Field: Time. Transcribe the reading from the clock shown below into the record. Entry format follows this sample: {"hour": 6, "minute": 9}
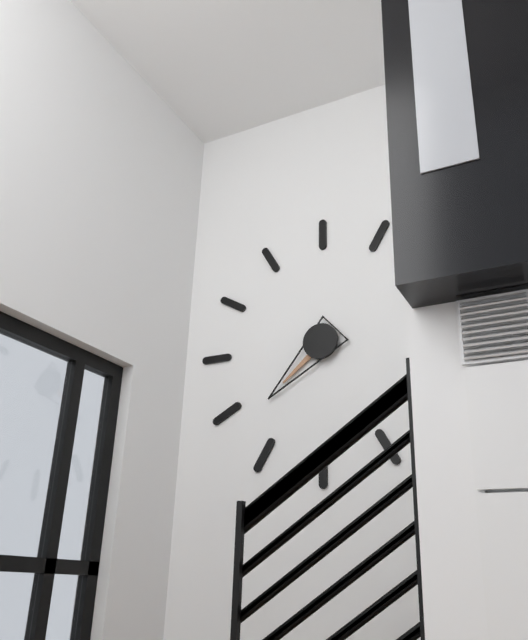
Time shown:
{"hour": 7, "minute": 38}
